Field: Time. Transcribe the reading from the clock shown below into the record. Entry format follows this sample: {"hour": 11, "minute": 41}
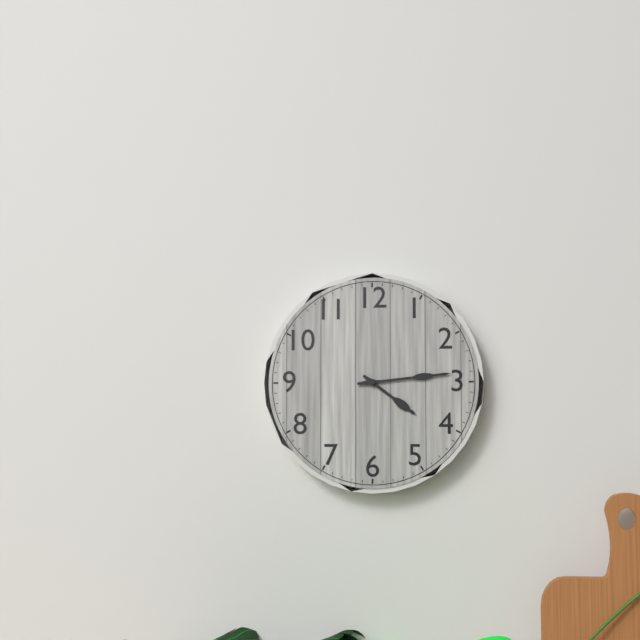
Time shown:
{"hour": 4, "minute": 14}
